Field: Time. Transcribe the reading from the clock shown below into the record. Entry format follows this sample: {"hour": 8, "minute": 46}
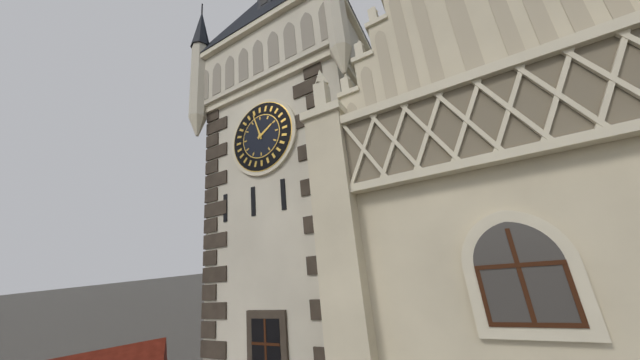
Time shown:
{"hour": 1, "minute": 57}
